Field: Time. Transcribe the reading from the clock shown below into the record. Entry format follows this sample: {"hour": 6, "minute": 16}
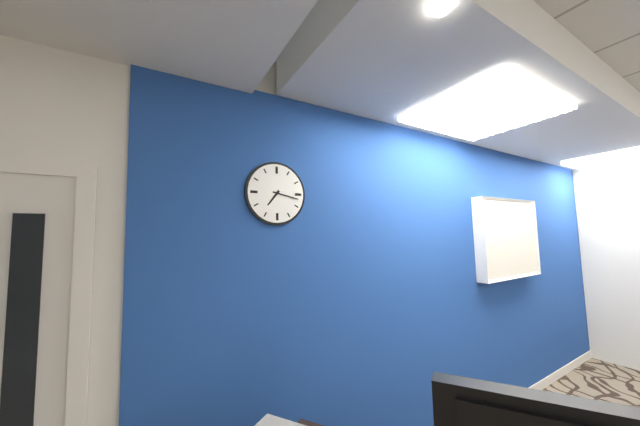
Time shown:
{"hour": 7, "minute": 17}
